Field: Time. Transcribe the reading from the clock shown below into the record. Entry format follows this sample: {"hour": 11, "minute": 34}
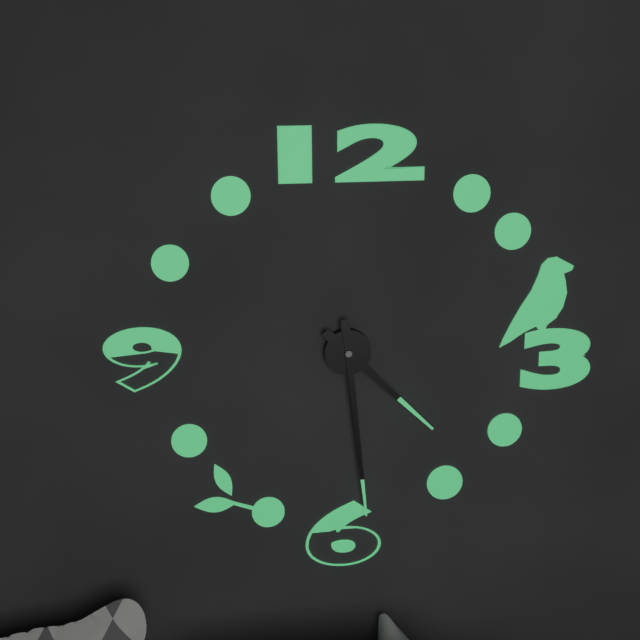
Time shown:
{"hour": 4, "minute": 29}
